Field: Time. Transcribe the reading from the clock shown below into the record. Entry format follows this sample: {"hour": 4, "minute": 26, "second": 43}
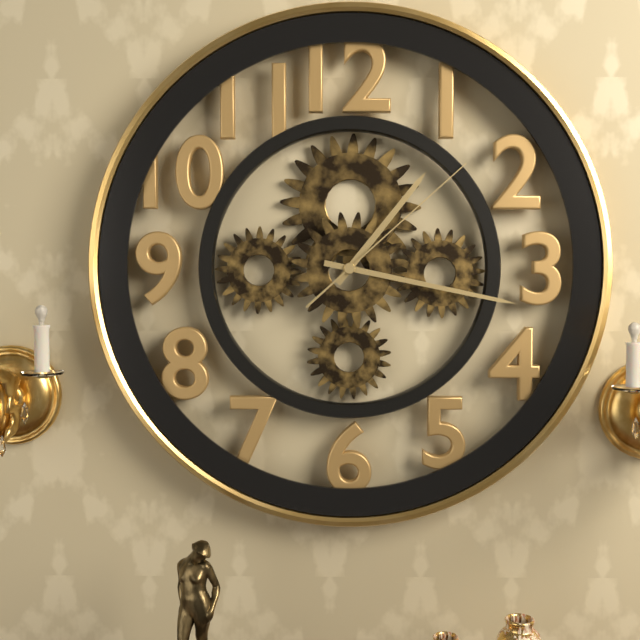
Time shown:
{"hour": 1, "minute": 17, "second": 8}
